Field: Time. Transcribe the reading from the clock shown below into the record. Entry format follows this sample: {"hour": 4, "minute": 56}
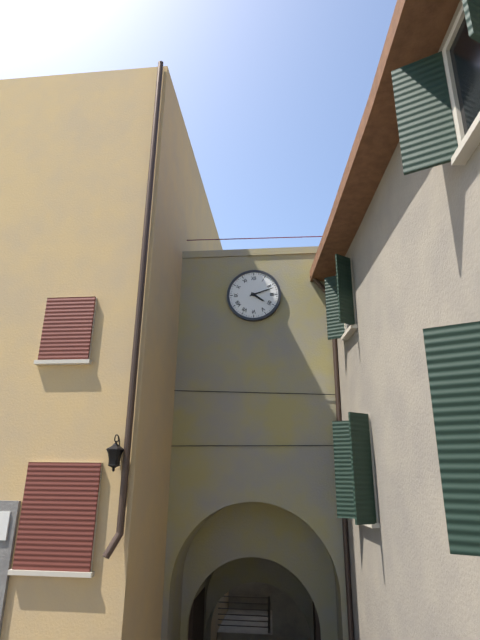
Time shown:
{"hour": 4, "minute": 12}
